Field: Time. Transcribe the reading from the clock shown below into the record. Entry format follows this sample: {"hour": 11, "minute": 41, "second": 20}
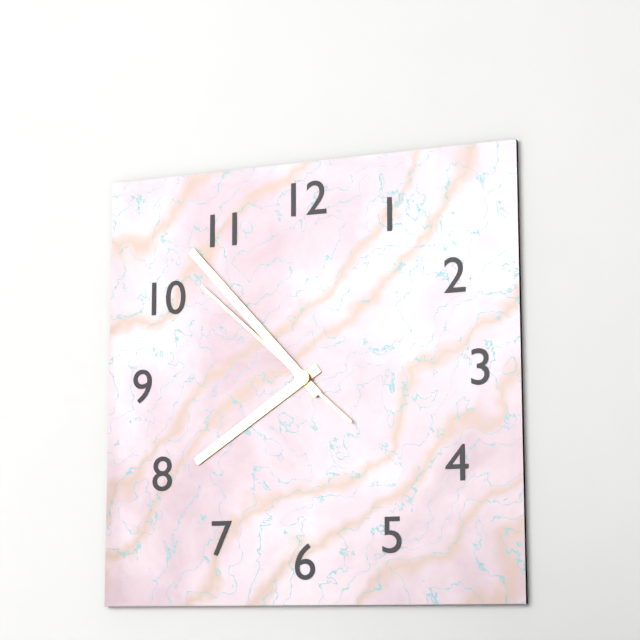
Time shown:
{"hour": 7, "minute": 53, "second": 52}
